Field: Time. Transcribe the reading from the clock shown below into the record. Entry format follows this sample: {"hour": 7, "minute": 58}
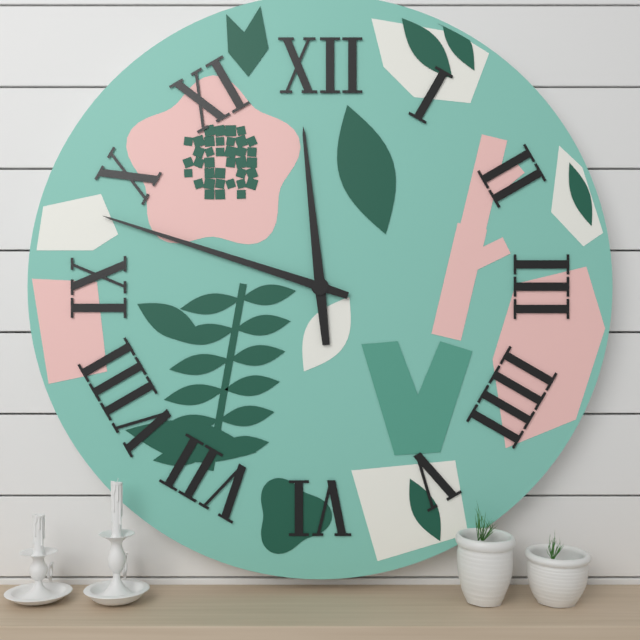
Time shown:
{"hour": 11, "minute": 48}
